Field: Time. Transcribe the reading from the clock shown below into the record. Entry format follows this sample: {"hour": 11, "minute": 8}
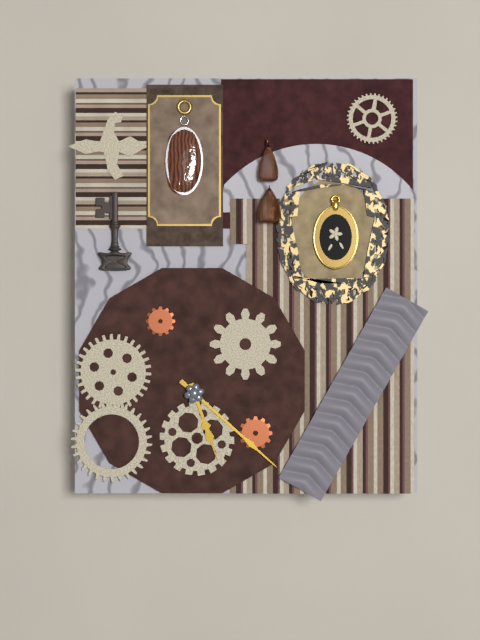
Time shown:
{"hour": 5, "minute": 22}
